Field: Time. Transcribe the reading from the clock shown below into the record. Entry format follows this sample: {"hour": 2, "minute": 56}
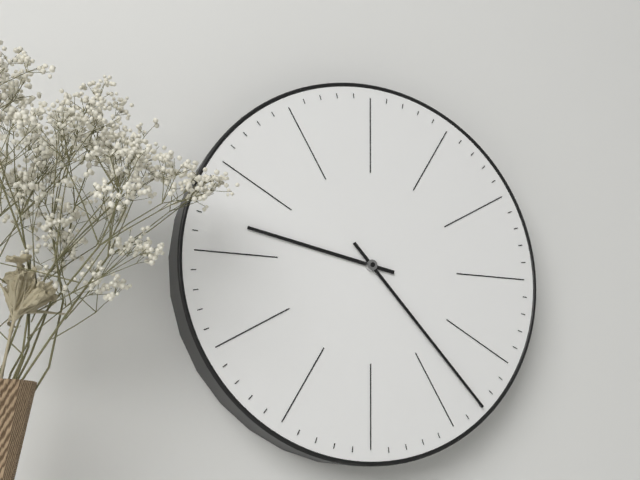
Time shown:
{"hour": 9, "minute": 23}
